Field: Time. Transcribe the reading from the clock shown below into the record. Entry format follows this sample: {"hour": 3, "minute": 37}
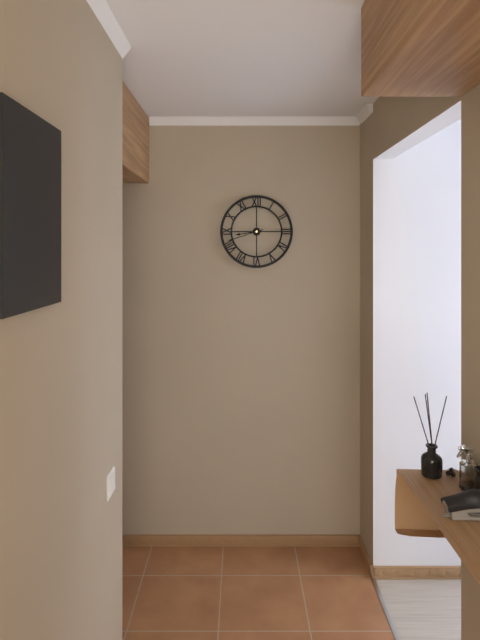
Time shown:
{"hour": 8, "minute": 42}
